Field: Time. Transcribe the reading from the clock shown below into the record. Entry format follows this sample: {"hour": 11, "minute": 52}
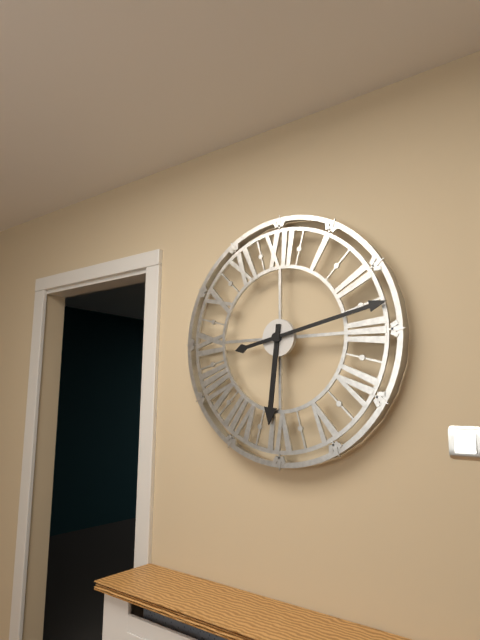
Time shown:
{"hour": 6, "minute": 13}
